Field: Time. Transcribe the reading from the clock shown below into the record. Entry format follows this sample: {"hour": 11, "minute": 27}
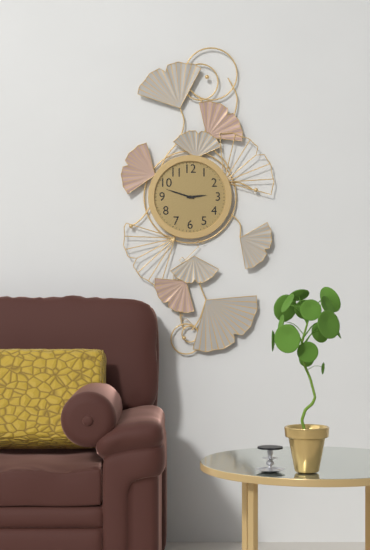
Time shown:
{"hour": 2, "minute": 48}
